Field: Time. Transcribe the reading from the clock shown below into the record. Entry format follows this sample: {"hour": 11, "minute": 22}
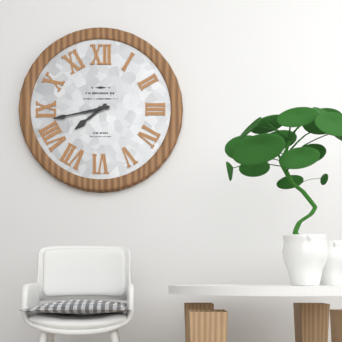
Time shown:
{"hour": 7, "minute": 43}
